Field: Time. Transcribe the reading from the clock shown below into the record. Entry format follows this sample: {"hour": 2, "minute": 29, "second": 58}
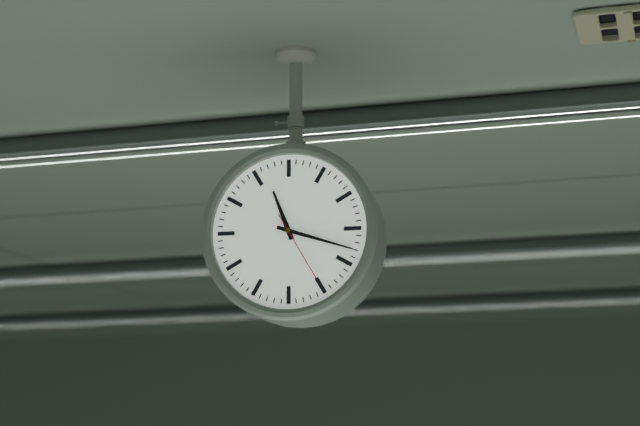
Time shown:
{"hour": 11, "minute": 18, "second": 25}
